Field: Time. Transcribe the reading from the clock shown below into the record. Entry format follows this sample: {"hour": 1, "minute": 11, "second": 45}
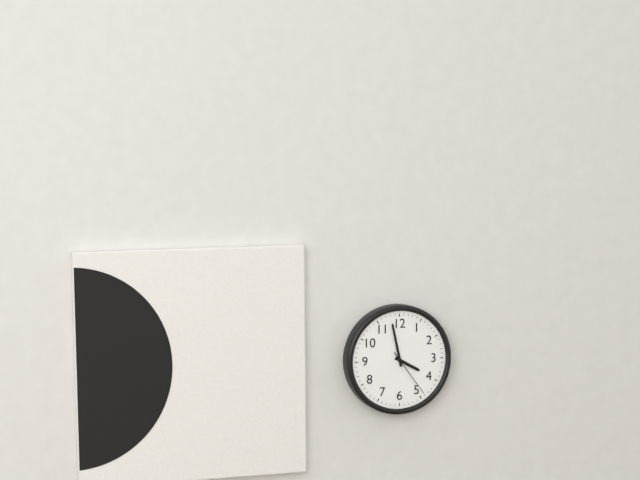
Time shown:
{"hour": 3, "minute": 58, "second": 24}
